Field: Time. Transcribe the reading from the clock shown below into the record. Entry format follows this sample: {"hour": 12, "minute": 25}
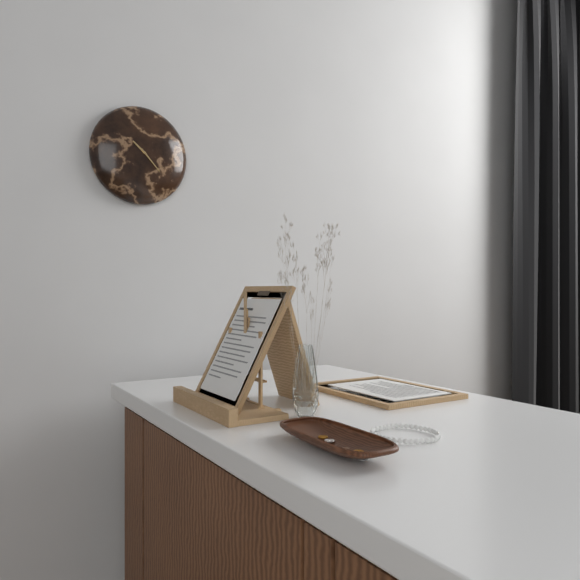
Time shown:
{"hour": 10, "minute": 23}
